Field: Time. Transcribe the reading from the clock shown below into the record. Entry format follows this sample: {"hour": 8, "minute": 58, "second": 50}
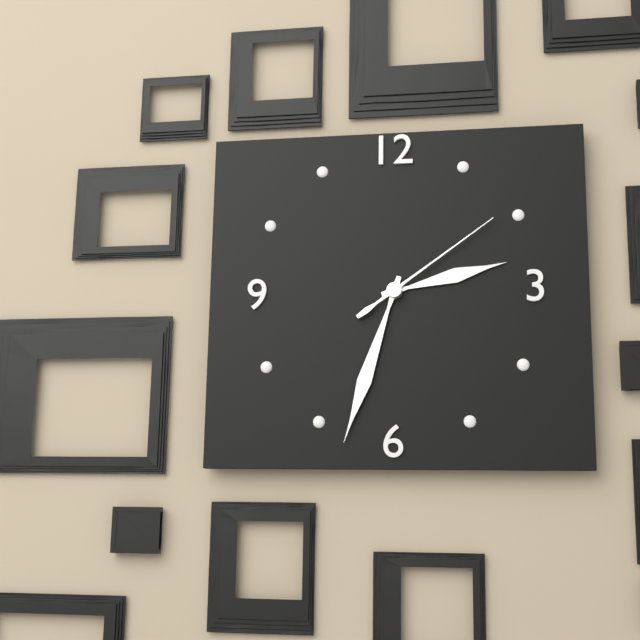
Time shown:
{"hour": 2, "minute": 33, "second": 9}
